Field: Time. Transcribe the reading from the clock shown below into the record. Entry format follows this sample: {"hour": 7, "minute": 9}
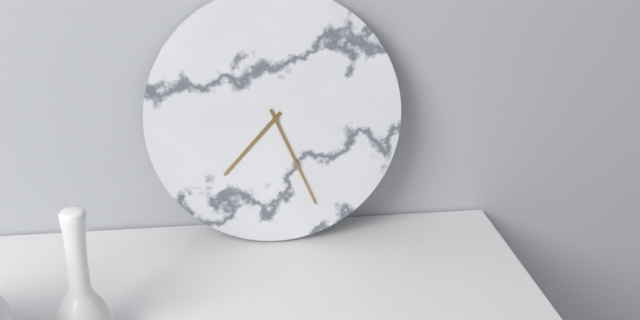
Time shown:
{"hour": 7, "minute": 26}
